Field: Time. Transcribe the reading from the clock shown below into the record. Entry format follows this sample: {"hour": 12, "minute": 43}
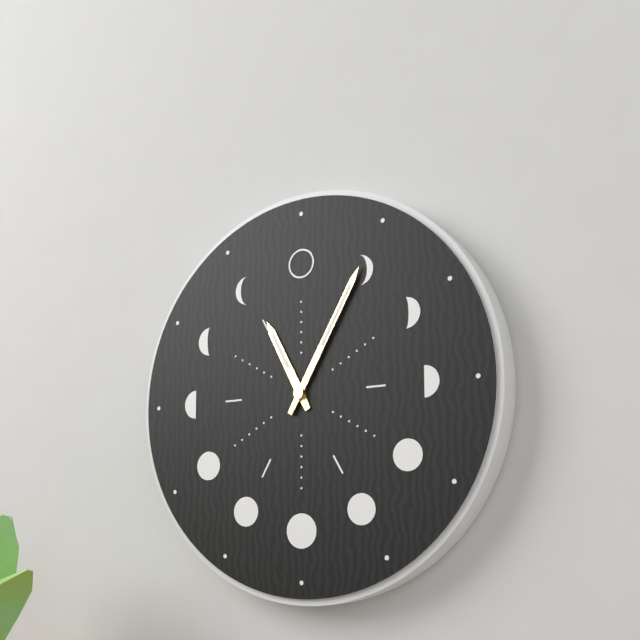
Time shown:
{"hour": 11, "minute": 5}
